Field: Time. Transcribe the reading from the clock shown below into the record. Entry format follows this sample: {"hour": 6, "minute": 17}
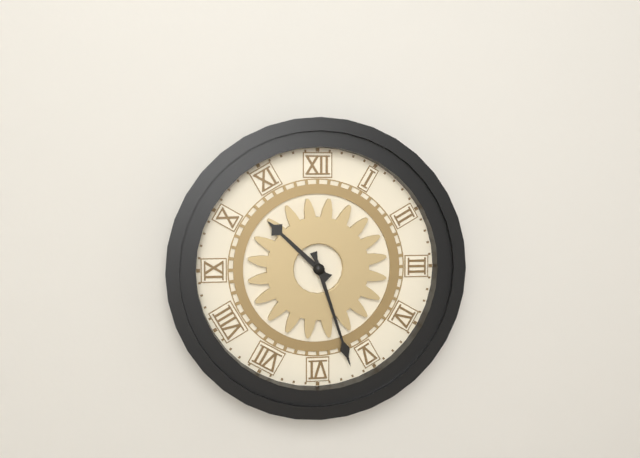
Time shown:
{"hour": 10, "minute": 27}
